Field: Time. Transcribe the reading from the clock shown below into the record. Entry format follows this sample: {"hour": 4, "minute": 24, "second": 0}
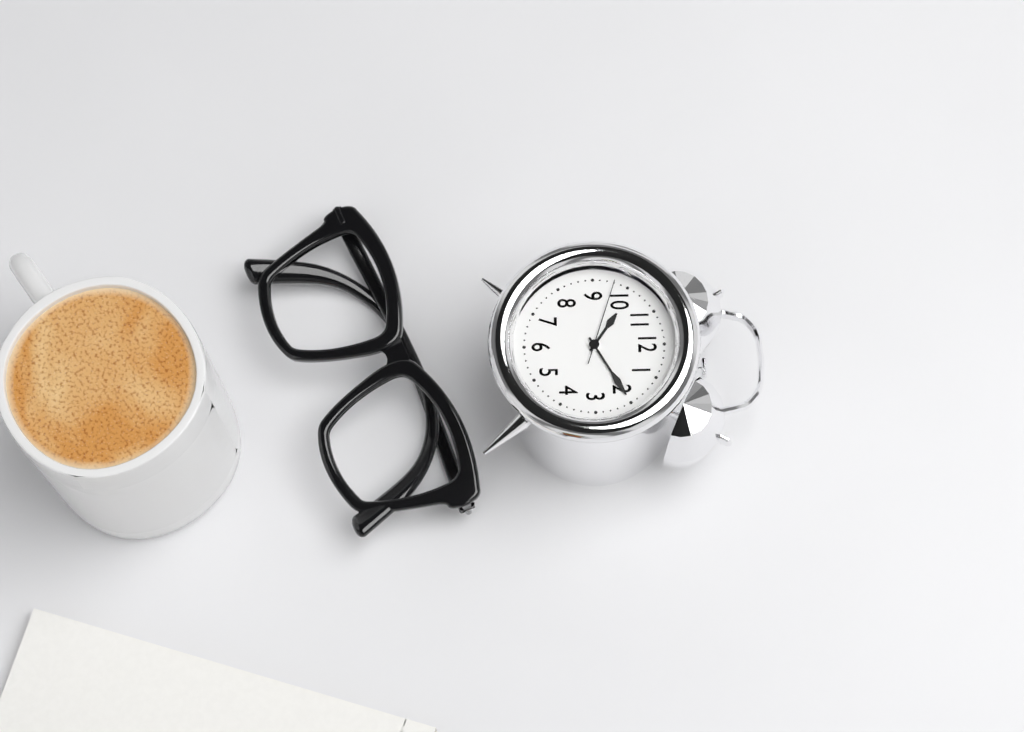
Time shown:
{"hour": 10, "minute": 10, "second": 48}
